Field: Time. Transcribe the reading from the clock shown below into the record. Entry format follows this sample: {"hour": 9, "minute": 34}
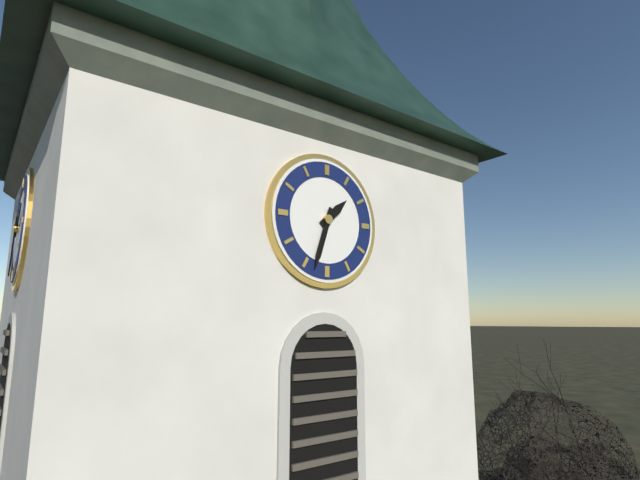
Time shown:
{"hour": 1, "minute": 33}
